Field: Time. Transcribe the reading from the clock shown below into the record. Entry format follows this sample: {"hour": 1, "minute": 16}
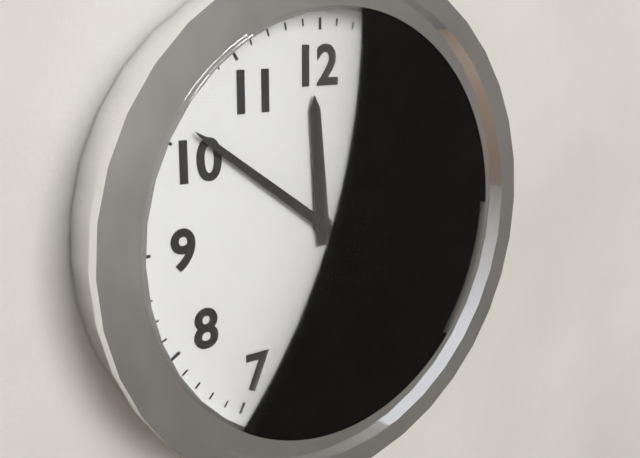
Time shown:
{"hour": 11, "minute": 51}
